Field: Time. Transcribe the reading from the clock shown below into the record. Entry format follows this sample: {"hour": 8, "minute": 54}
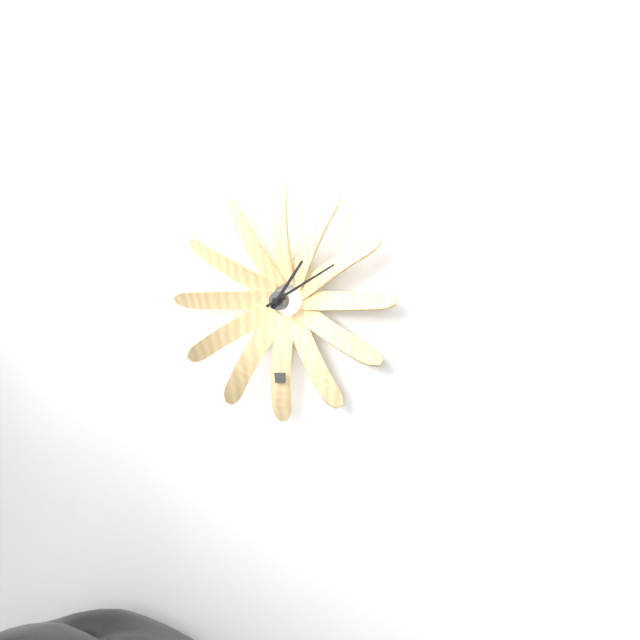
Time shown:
{"hour": 1, "minute": 10}
